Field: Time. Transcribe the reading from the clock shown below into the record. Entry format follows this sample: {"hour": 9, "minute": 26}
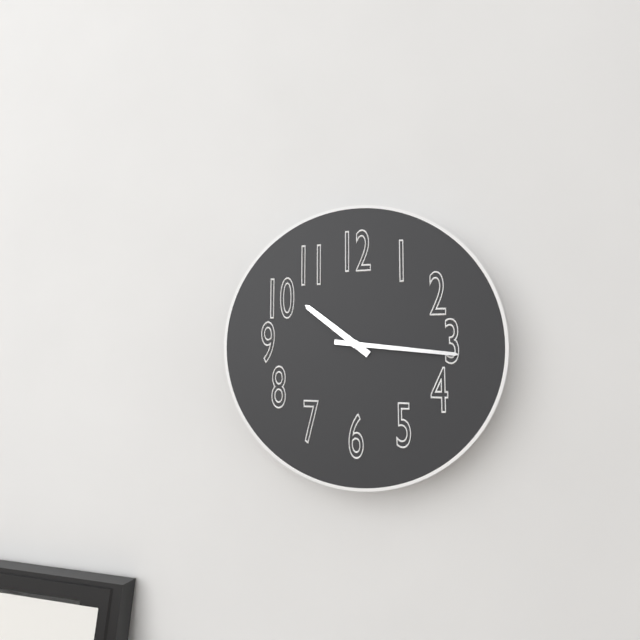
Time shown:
{"hour": 10, "minute": 16}
